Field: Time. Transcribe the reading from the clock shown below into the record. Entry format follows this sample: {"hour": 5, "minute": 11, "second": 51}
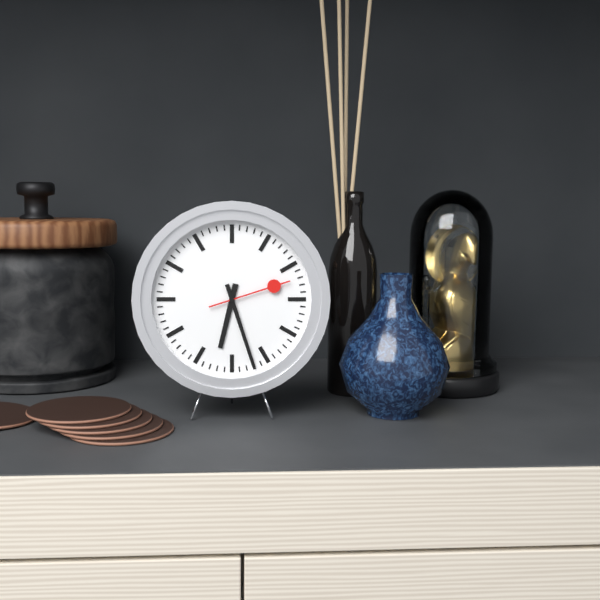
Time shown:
{"hour": 6, "minute": 27, "second": 12}
